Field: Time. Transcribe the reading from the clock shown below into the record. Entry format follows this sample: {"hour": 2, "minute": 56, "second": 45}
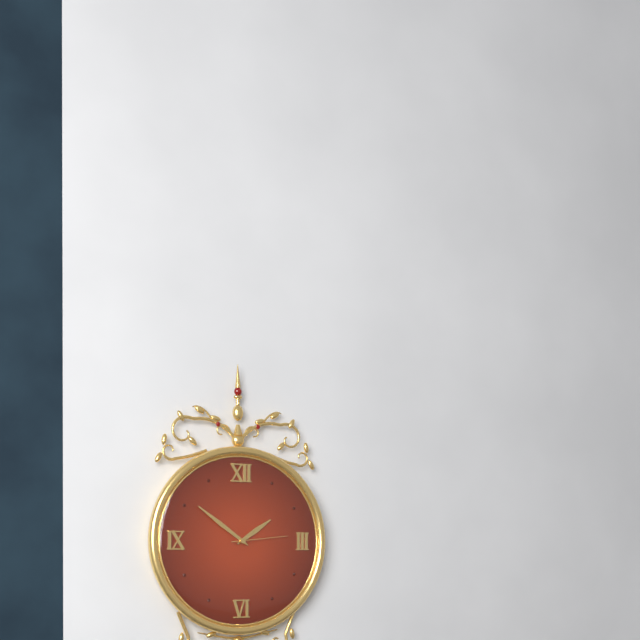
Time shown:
{"hour": 1, "minute": 51, "second": 14}
